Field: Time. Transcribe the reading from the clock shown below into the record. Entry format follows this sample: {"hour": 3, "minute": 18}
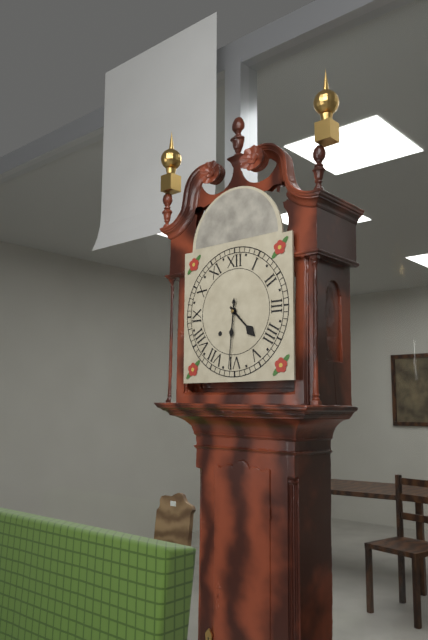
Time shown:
{"hour": 4, "minute": 31}
